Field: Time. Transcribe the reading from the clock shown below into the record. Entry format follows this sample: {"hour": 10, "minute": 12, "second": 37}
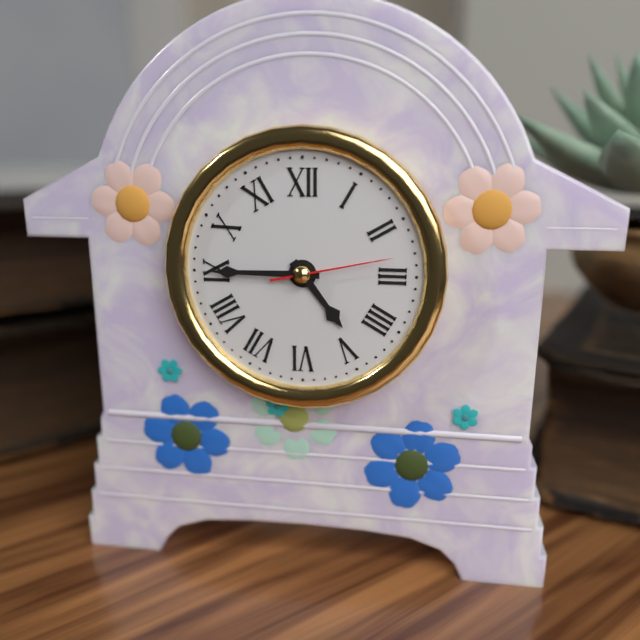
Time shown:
{"hour": 4, "minute": 45, "second": 13}
